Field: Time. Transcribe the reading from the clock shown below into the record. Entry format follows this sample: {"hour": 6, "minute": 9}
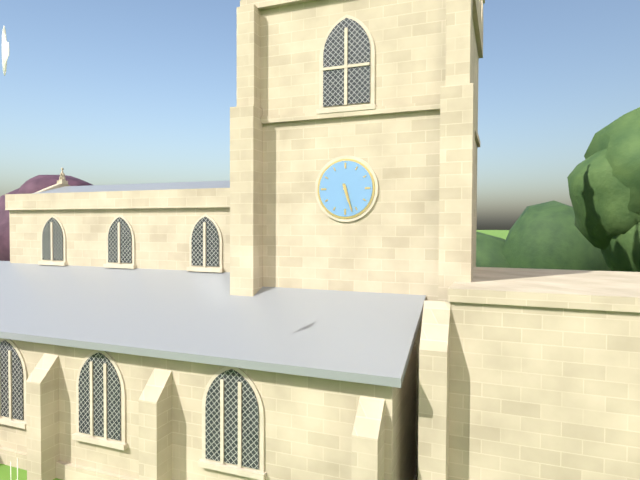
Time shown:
{"hour": 5, "minute": 27}
